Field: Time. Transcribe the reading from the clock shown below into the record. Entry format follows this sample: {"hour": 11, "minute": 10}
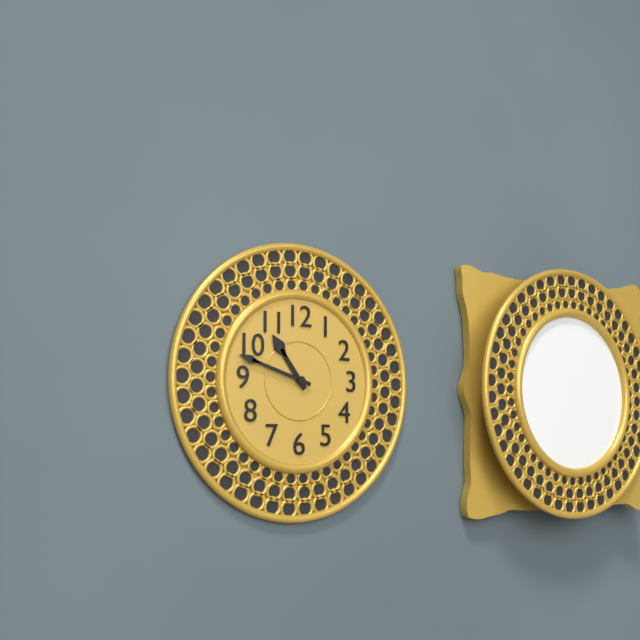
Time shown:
{"hour": 10, "minute": 48}
